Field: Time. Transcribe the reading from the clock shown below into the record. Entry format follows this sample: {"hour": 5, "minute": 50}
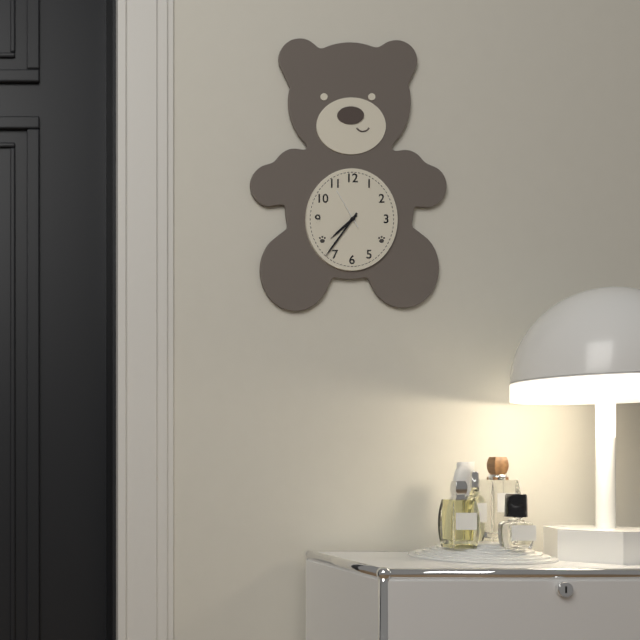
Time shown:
{"hour": 7, "minute": 36}
